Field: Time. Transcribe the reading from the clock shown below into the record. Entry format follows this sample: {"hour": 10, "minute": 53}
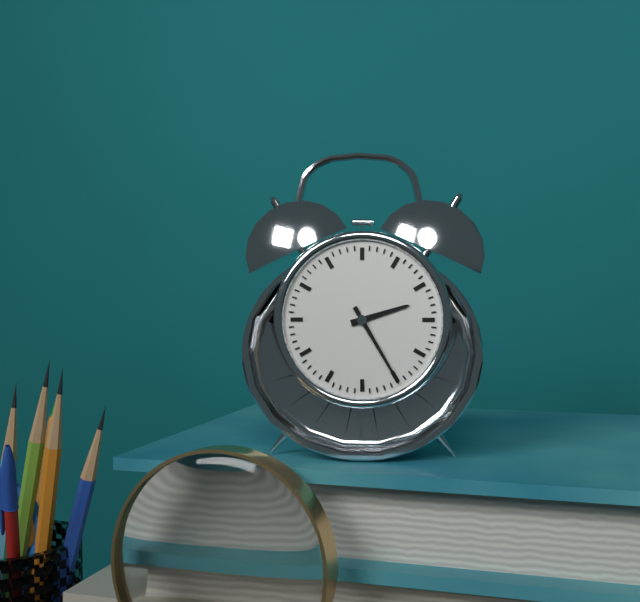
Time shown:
{"hour": 2, "minute": 25}
